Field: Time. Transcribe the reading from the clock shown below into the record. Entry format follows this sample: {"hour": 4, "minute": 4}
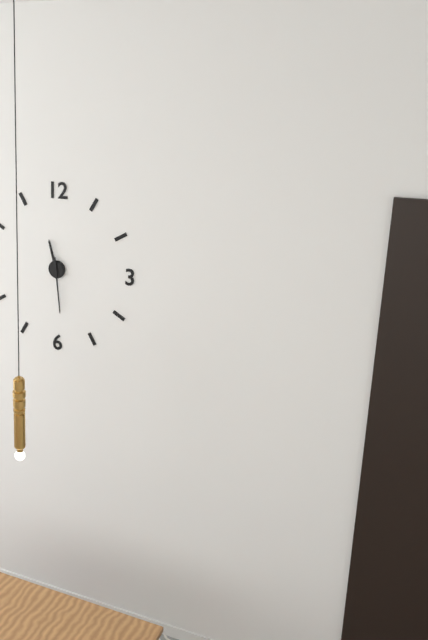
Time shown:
{"hour": 11, "minute": 29}
